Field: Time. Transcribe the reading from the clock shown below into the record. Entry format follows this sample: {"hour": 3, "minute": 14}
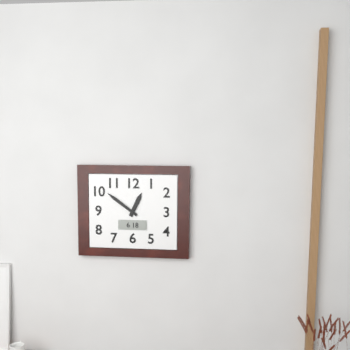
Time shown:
{"hour": 12, "minute": 51}
